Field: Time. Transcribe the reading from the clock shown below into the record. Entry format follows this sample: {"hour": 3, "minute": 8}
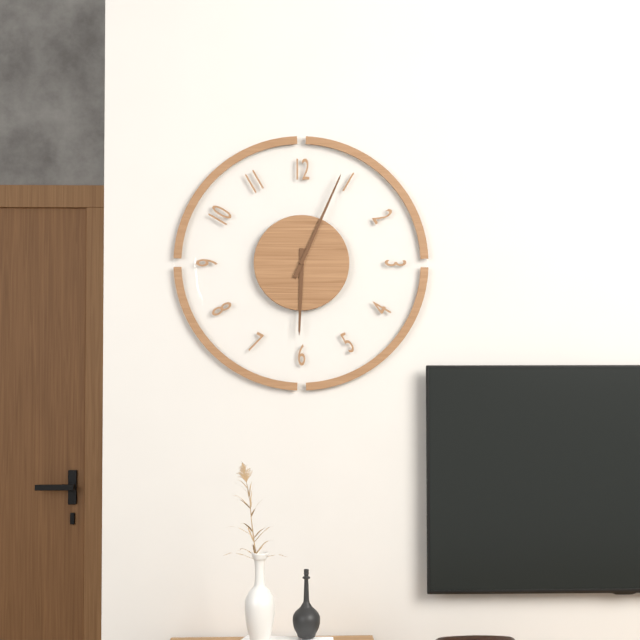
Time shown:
{"hour": 6, "minute": 4}
